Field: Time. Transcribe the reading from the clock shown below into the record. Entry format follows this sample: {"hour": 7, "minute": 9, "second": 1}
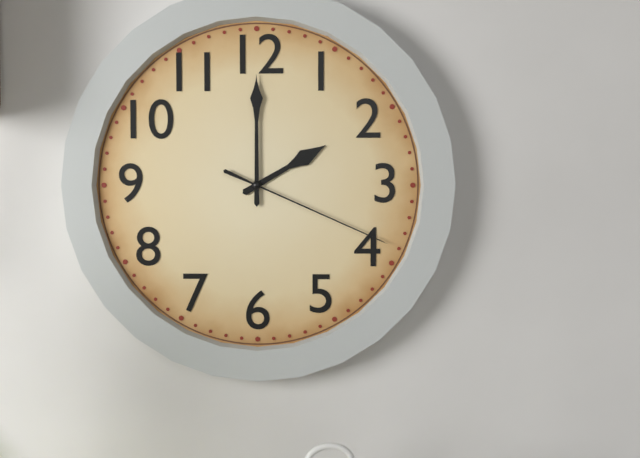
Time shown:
{"hour": 2, "minute": 0, "second": 19}
